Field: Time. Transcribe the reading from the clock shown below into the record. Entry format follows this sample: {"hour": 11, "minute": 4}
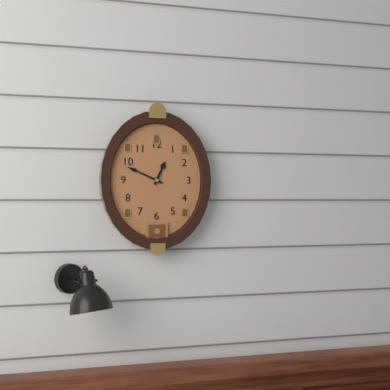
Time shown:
{"hour": 12, "minute": 49}
